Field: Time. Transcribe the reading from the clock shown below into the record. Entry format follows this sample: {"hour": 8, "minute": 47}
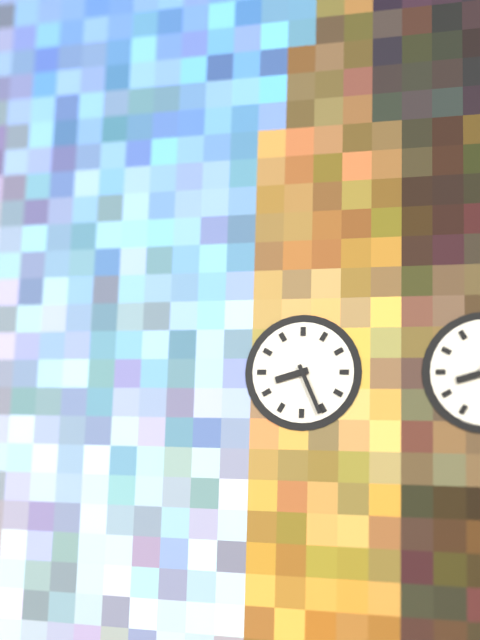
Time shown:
{"hour": 8, "minute": 26}
